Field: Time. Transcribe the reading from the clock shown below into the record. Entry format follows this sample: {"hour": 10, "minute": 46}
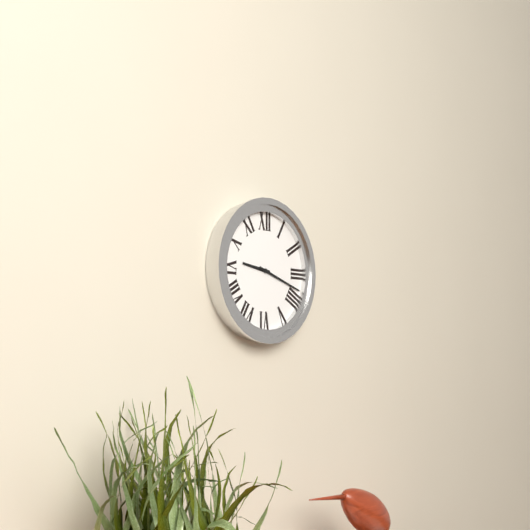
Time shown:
{"hour": 9, "minute": 18}
